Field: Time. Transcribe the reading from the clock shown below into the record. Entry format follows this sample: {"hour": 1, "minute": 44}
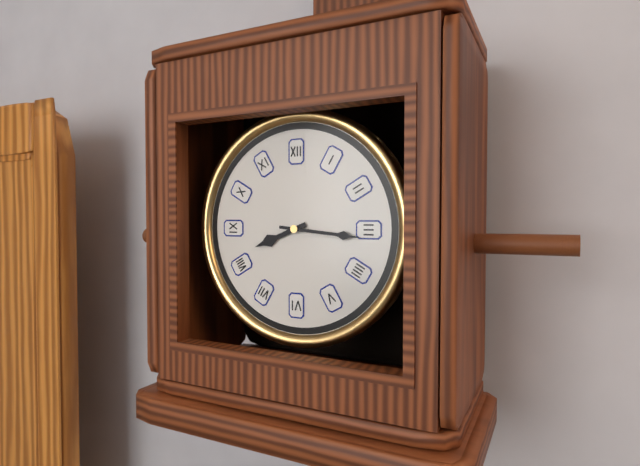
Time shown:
{"hour": 8, "minute": 16}
